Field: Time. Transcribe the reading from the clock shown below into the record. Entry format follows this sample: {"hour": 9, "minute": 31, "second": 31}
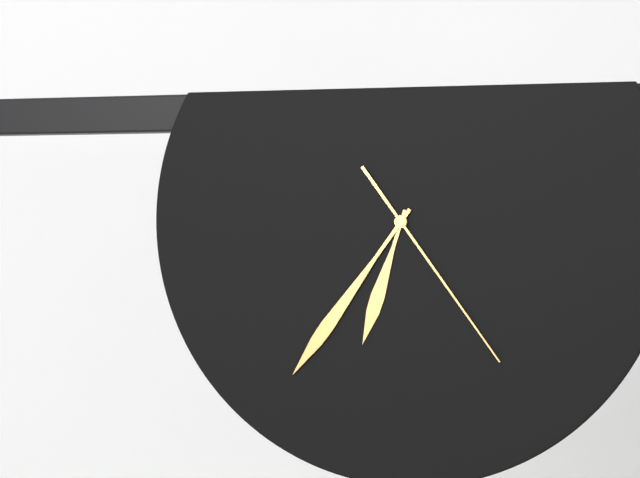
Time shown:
{"hour": 6, "minute": 36, "second": 24}
